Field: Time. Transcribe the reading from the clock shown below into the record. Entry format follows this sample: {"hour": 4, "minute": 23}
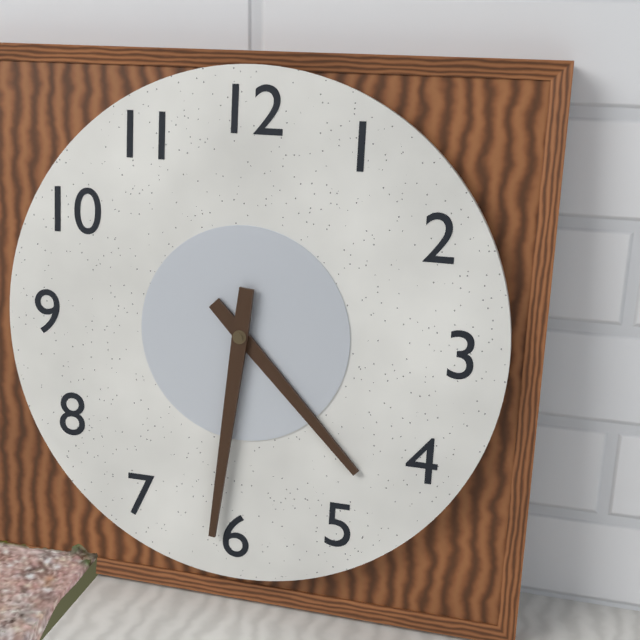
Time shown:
{"hour": 4, "minute": 31}
